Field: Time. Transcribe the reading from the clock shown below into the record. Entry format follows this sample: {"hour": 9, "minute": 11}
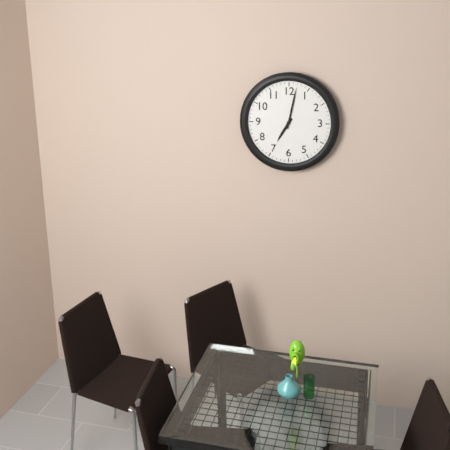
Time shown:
{"hour": 7, "minute": 2}
